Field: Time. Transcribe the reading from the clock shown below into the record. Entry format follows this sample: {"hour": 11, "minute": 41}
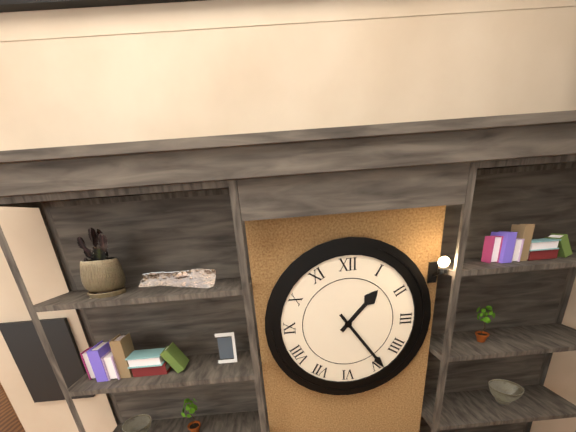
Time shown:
{"hour": 1, "minute": 24}
